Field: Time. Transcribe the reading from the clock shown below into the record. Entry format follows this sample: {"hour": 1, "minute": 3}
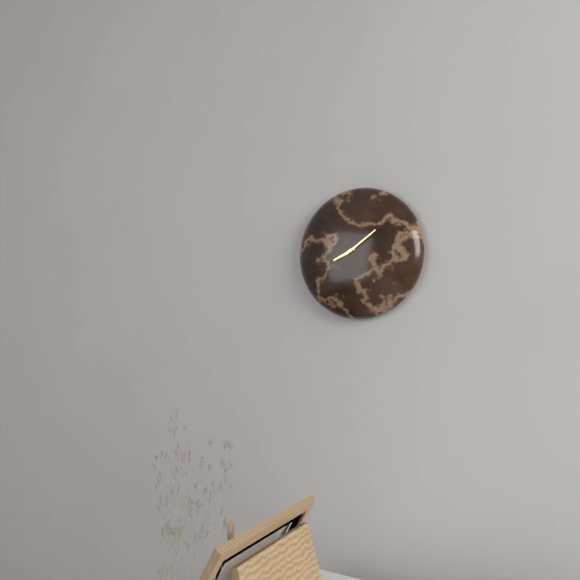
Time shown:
{"hour": 8, "minute": 9}
